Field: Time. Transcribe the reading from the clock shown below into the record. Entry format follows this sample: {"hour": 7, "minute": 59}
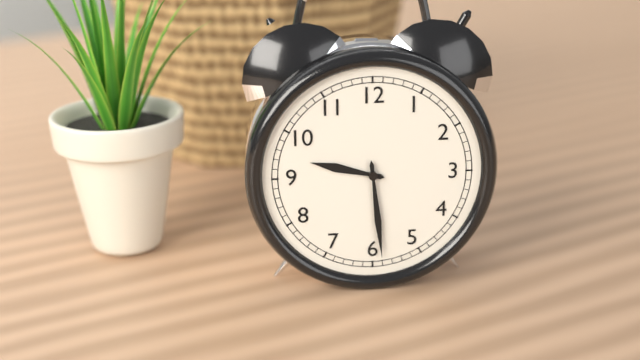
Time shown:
{"hour": 9, "minute": 29}
